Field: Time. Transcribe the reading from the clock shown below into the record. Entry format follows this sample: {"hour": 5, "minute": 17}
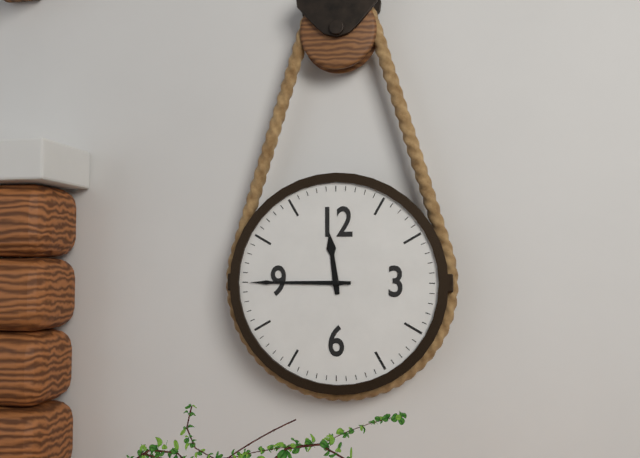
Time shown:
{"hour": 11, "minute": 45}
